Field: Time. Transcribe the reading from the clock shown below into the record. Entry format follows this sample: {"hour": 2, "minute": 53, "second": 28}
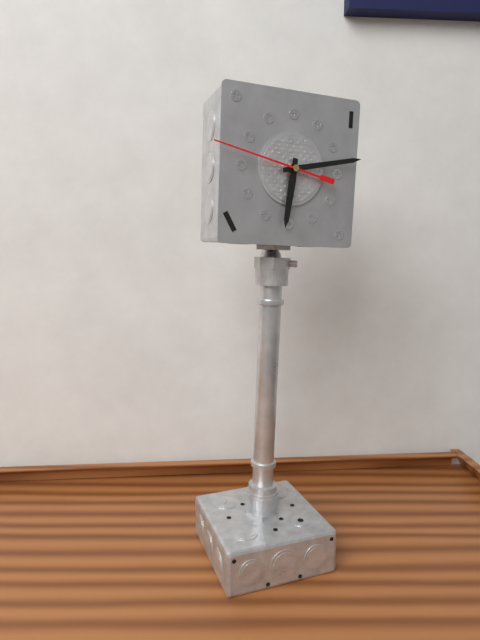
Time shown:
{"hour": 6, "minute": 13, "second": 47}
